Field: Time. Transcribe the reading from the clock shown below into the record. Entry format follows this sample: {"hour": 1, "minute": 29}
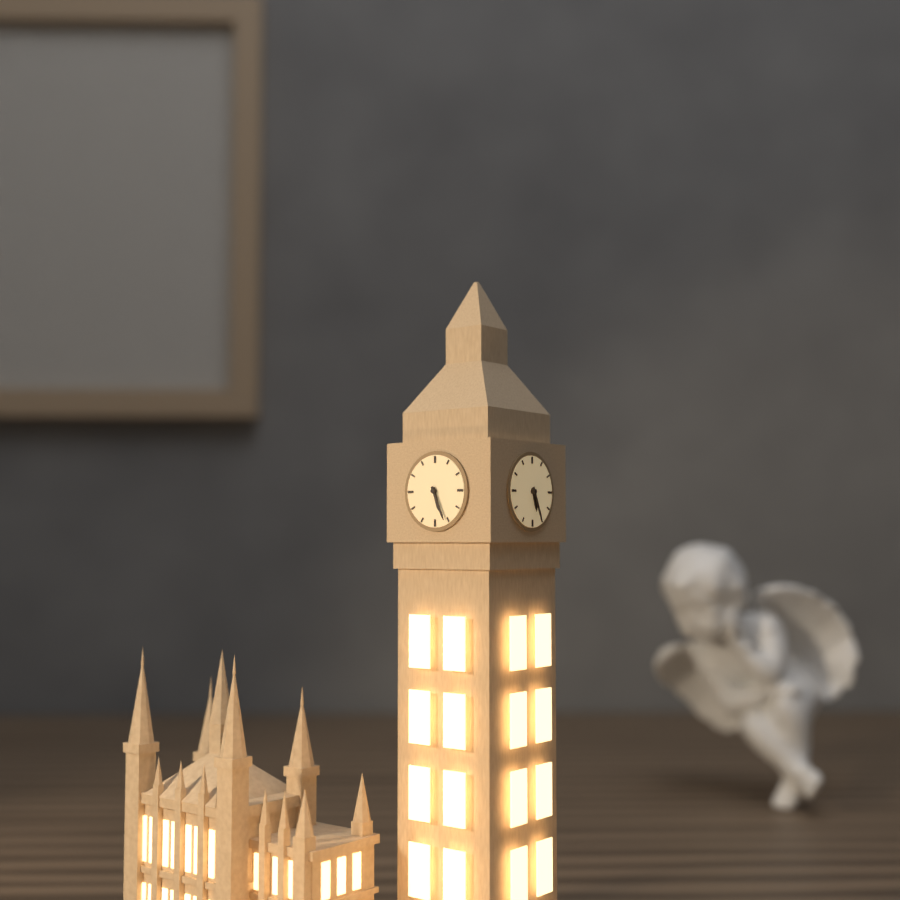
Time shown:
{"hour": 5, "minute": 26}
